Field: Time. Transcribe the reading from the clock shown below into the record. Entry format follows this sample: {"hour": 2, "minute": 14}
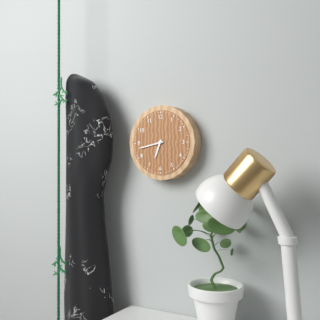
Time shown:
{"hour": 6, "minute": 43}
